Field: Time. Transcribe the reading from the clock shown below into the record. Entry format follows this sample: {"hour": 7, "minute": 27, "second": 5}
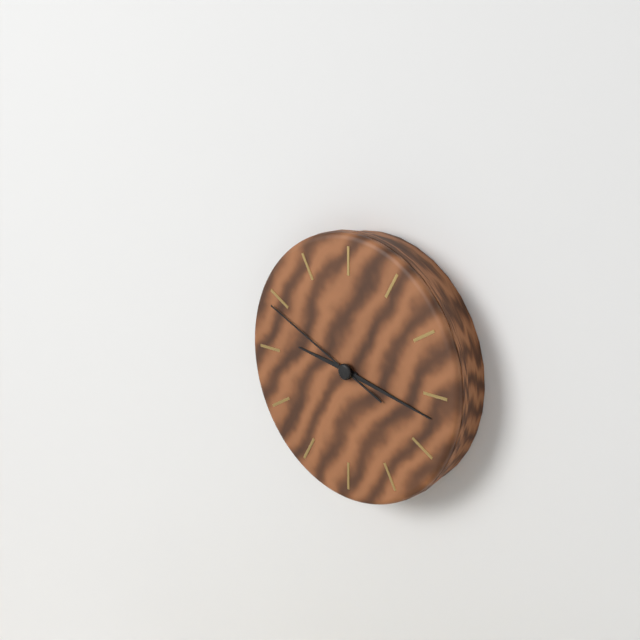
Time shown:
{"hour": 9, "minute": 17, "second": 49}
